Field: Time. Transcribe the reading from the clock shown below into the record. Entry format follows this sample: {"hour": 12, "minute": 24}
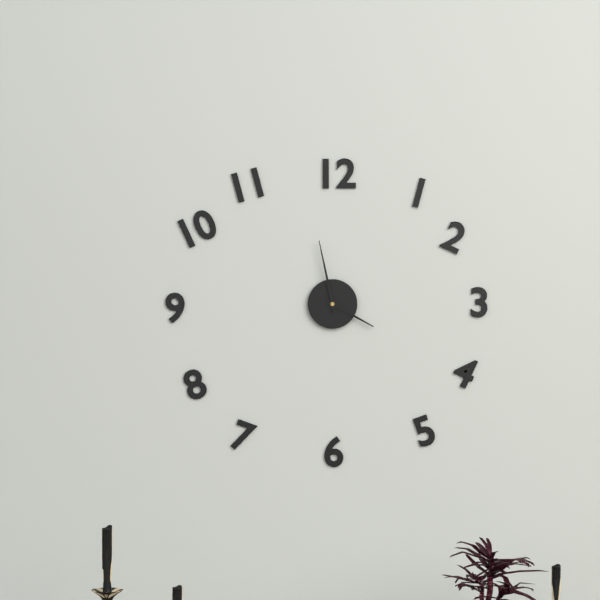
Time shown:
{"hour": 3, "minute": 58}
